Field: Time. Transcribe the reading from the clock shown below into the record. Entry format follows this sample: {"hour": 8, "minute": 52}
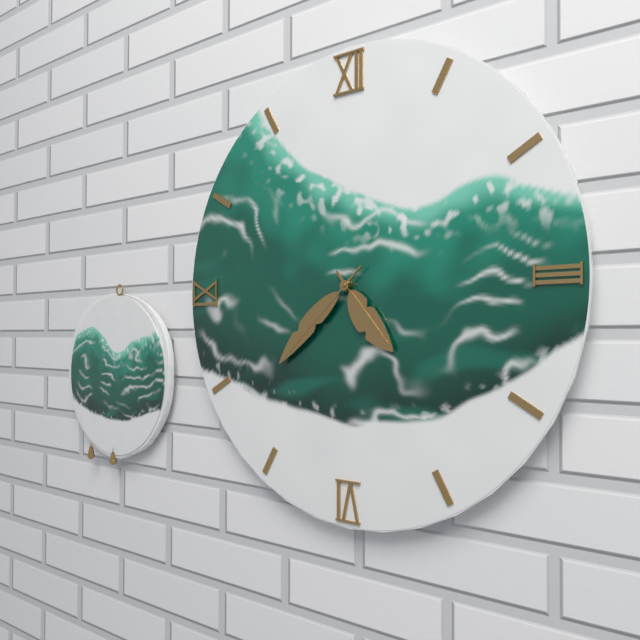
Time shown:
{"hour": 4, "minute": 38}
